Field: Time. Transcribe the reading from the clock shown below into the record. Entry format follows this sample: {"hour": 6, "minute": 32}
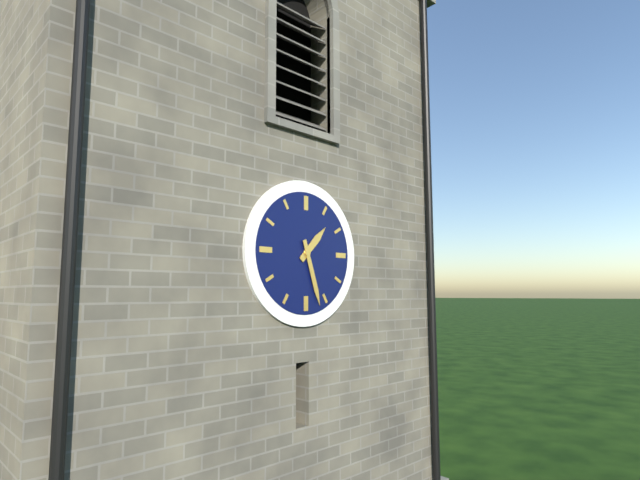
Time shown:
{"hour": 1, "minute": 27}
